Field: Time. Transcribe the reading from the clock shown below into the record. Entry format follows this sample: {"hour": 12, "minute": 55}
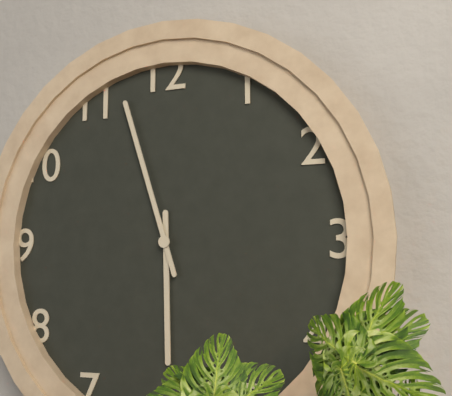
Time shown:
{"hour": 5, "minute": 57}
